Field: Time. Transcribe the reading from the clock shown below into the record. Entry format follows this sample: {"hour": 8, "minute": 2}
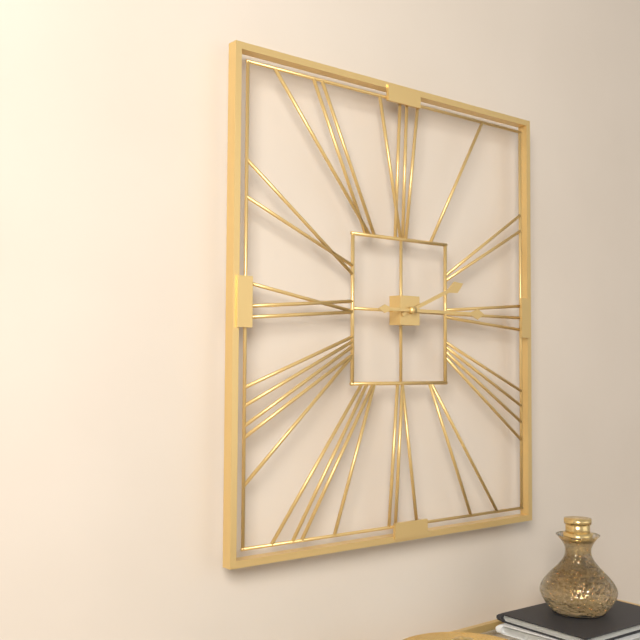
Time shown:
{"hour": 2, "minute": 15}
